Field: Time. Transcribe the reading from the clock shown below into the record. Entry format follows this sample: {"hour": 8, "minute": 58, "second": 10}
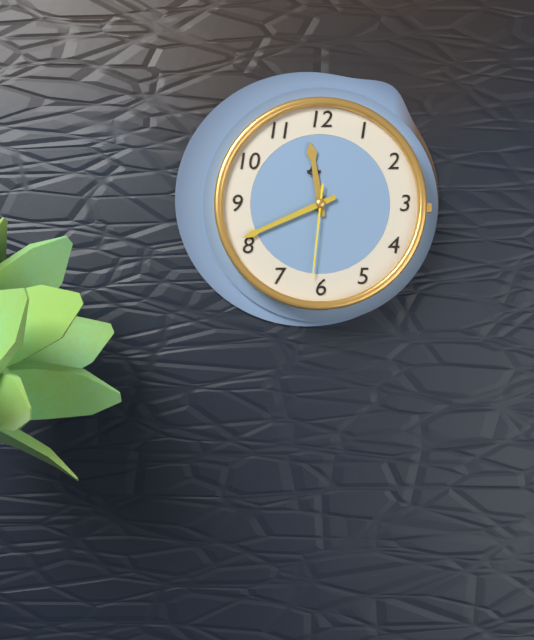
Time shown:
{"hour": 11, "minute": 41, "second": 31}
